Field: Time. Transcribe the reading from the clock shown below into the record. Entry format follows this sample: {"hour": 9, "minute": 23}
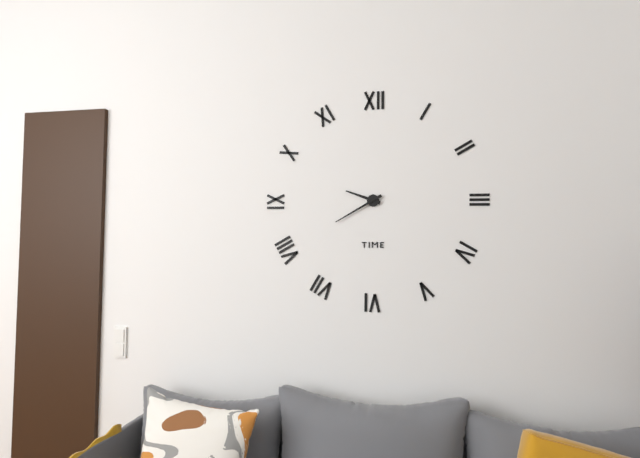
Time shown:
{"hour": 9, "minute": 40}
